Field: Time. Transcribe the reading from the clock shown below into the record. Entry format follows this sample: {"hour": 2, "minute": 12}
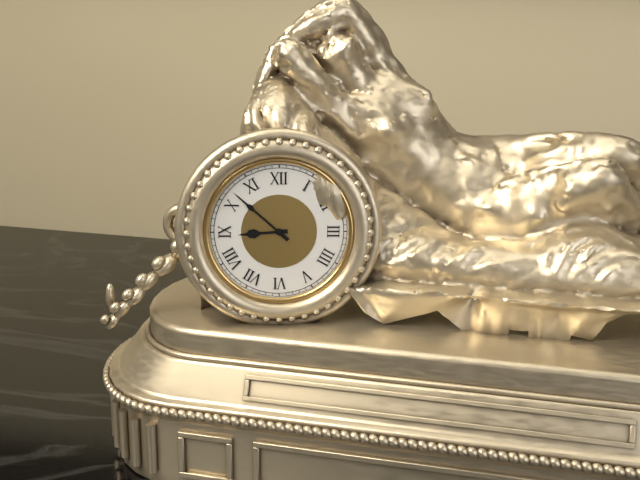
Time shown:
{"hour": 8, "minute": 52}
